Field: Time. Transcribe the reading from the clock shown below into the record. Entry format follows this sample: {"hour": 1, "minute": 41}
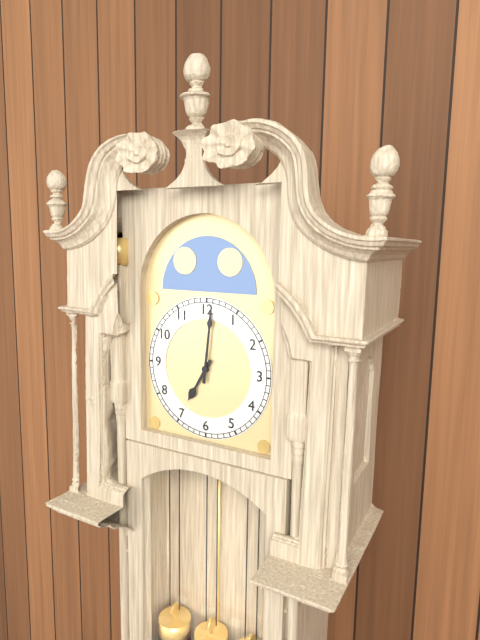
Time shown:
{"hour": 7, "minute": 1}
